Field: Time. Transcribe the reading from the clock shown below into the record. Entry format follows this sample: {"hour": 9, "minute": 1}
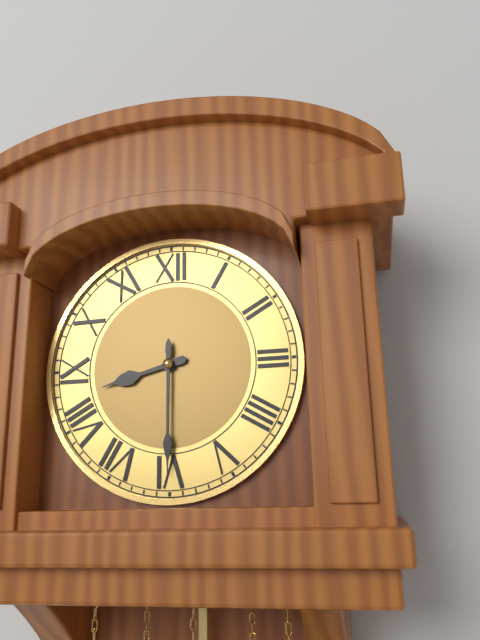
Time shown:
{"hour": 8, "minute": 30}
